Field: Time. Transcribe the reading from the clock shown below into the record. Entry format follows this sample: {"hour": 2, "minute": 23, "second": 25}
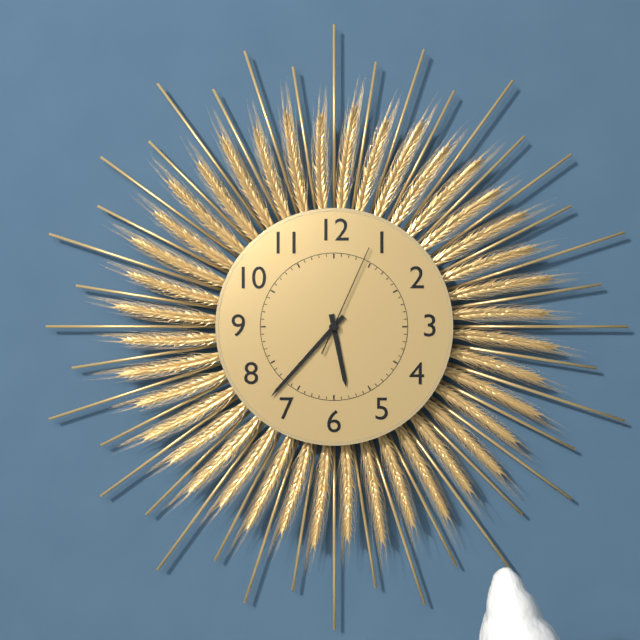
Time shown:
{"hour": 5, "minute": 37, "second": 4}
